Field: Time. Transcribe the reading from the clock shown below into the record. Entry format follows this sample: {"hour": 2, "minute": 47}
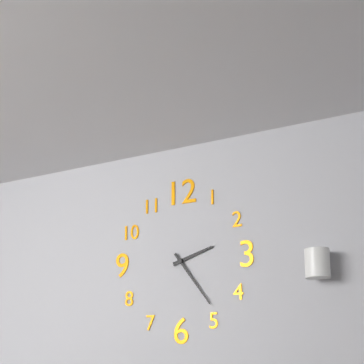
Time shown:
{"hour": 2, "minute": 24}
